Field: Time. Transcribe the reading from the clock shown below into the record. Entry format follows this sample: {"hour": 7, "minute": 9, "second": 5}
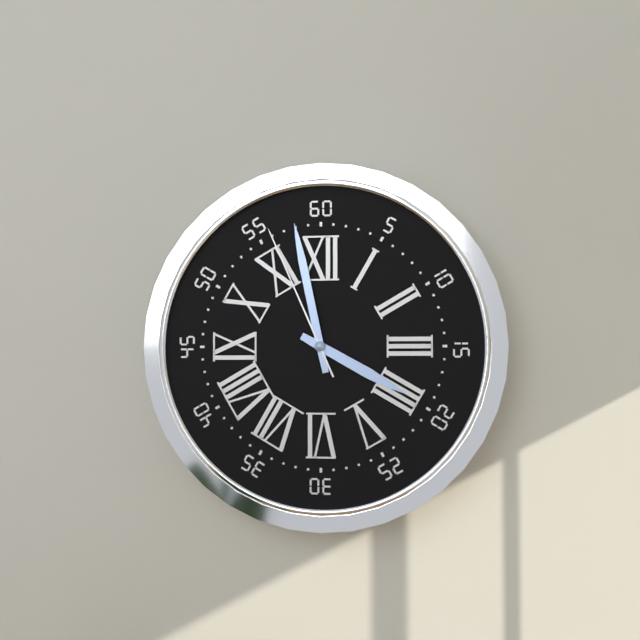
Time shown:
{"hour": 3, "minute": 58, "second": 56}
